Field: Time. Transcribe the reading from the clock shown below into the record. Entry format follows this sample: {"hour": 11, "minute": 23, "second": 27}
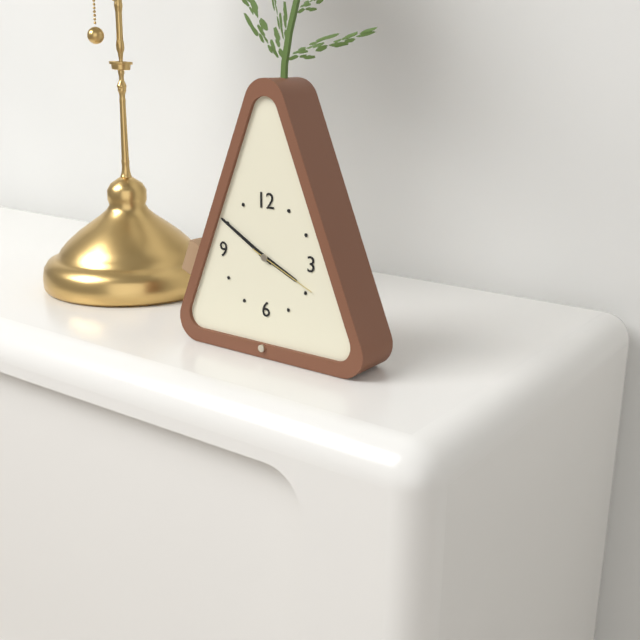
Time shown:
{"hour": 3, "minute": 50, "second": 19}
